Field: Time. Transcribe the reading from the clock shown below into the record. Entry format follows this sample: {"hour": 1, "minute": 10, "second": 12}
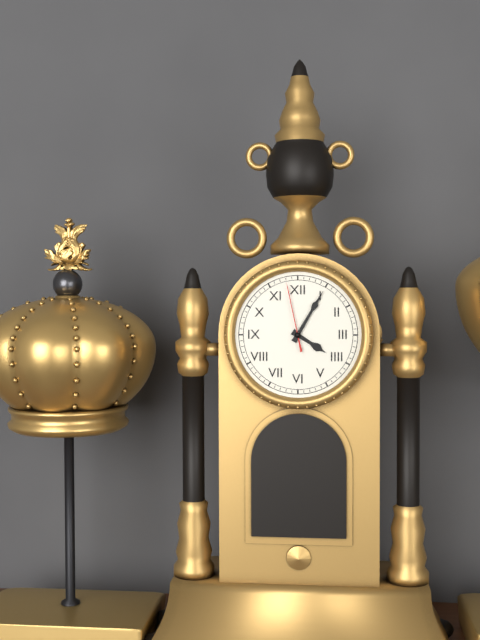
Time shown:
{"hour": 4, "minute": 5, "second": 58}
